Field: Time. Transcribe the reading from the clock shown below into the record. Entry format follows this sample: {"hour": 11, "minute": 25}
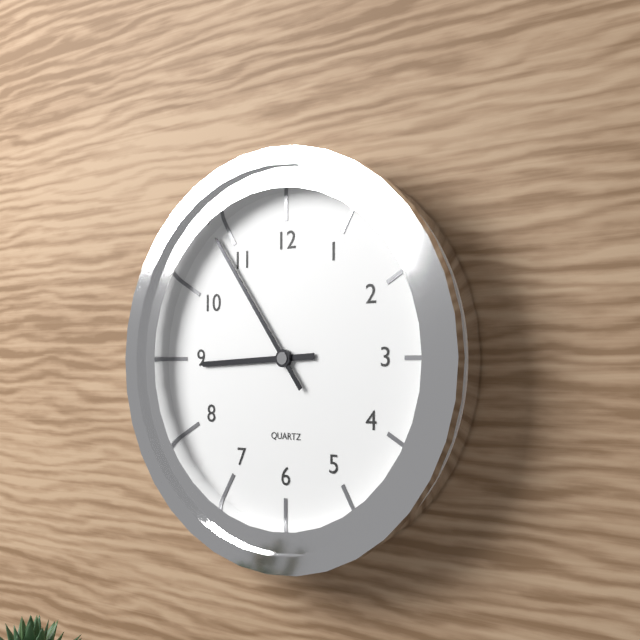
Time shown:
{"hour": 8, "minute": 54}
